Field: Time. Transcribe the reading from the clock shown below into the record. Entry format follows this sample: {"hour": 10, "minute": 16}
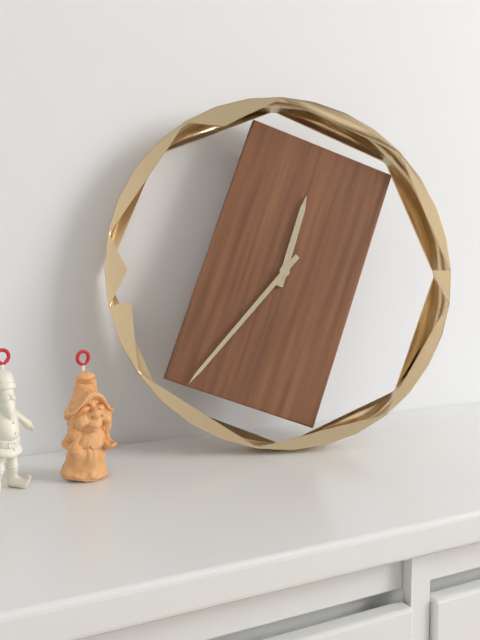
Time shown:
{"hour": 12, "minute": 37}
